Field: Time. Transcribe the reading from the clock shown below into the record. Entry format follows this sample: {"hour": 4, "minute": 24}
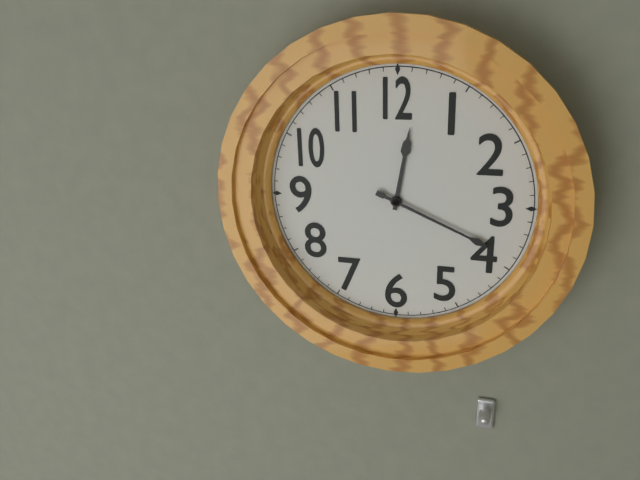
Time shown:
{"hour": 12, "minute": 19}
